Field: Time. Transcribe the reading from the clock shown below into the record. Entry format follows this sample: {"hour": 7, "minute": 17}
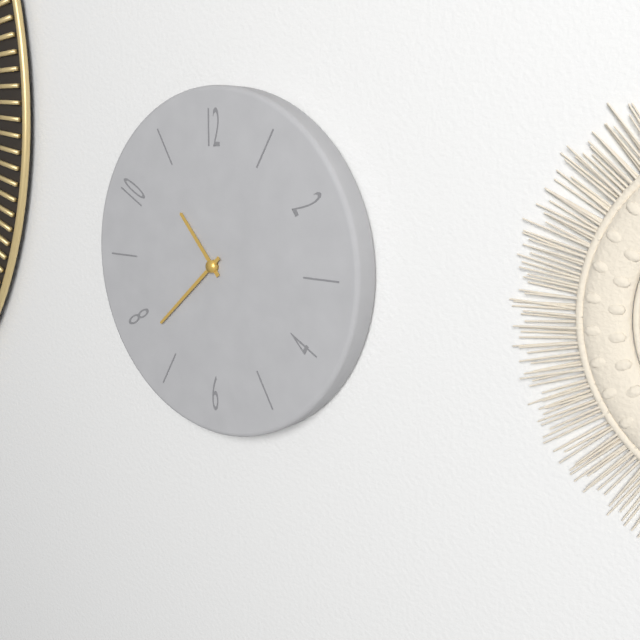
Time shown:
{"hour": 10, "minute": 38}
